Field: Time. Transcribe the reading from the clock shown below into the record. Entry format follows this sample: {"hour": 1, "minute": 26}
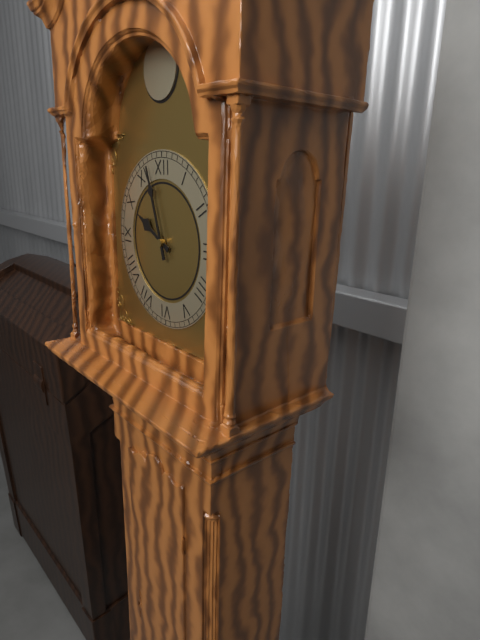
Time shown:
{"hour": 9, "minute": 57}
